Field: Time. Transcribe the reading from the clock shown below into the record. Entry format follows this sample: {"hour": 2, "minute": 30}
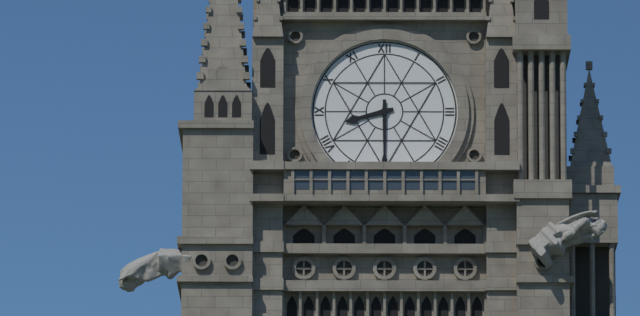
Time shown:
{"hour": 8, "minute": 30}
